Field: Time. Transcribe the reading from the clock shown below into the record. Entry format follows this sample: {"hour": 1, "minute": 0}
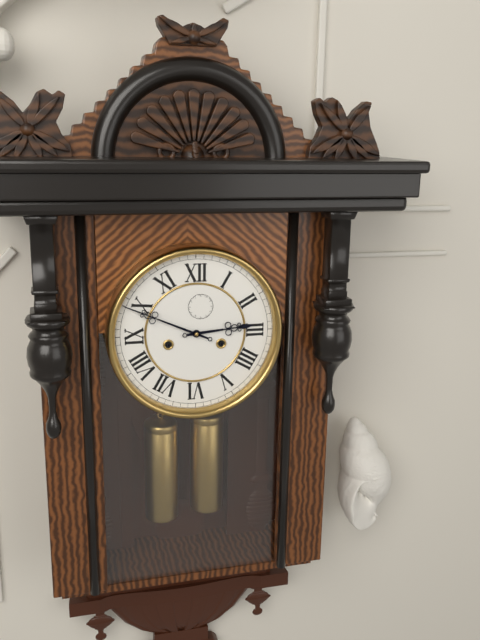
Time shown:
{"hour": 2, "minute": 49}
